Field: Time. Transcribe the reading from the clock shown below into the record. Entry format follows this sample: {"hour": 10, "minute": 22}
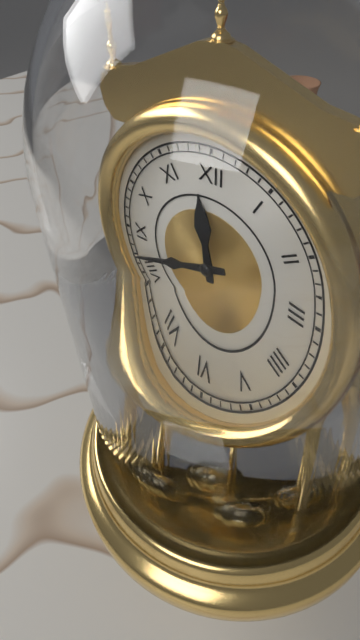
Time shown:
{"hour": 11, "minute": 42}
